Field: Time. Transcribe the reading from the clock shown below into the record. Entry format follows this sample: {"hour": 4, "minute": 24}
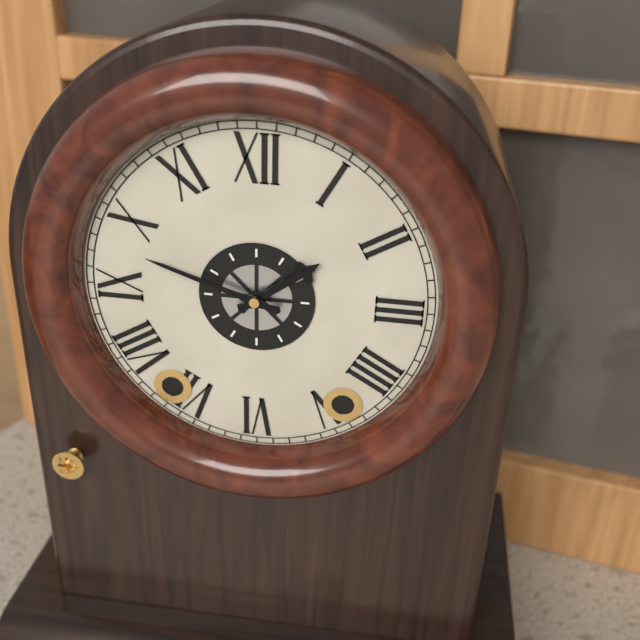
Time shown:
{"hour": 1, "minute": 48}
